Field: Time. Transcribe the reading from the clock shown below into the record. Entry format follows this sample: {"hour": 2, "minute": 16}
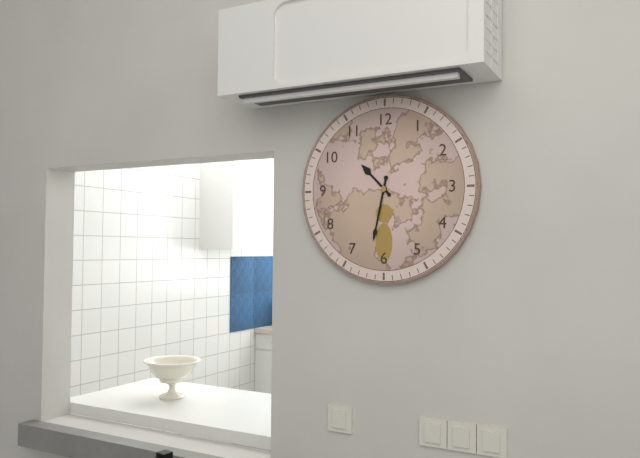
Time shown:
{"hour": 10, "minute": 32}
